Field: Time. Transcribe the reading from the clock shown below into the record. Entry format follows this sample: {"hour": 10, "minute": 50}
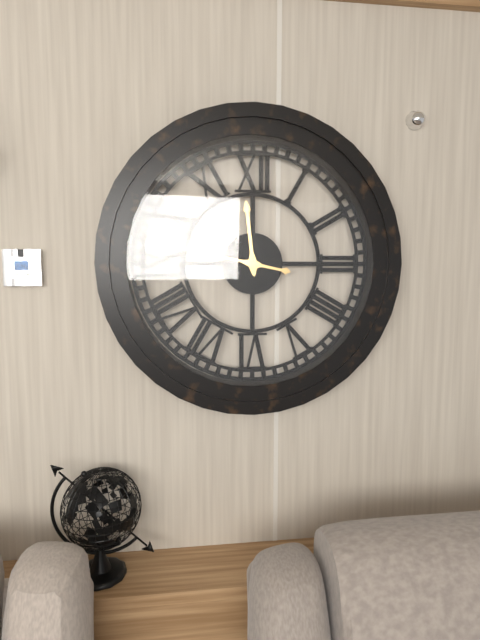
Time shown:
{"hour": 11, "minute": 47}
